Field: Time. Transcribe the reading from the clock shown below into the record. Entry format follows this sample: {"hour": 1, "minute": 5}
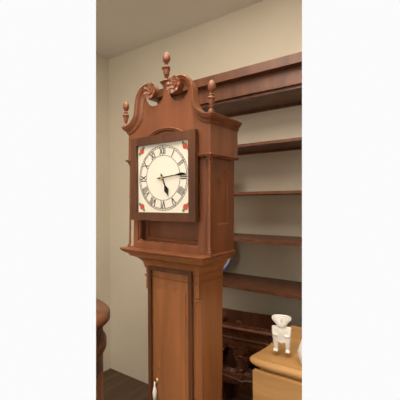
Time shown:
{"hour": 5, "minute": 14}
